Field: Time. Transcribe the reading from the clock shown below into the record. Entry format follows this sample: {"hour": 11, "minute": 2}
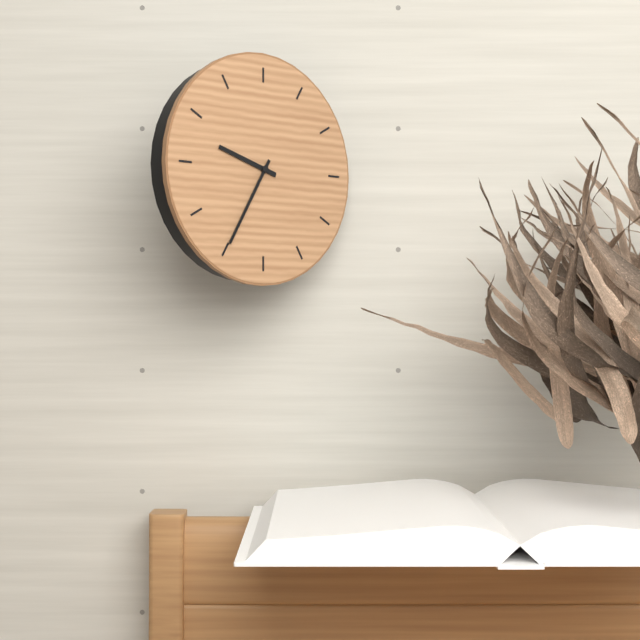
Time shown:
{"hour": 9, "minute": 35}
